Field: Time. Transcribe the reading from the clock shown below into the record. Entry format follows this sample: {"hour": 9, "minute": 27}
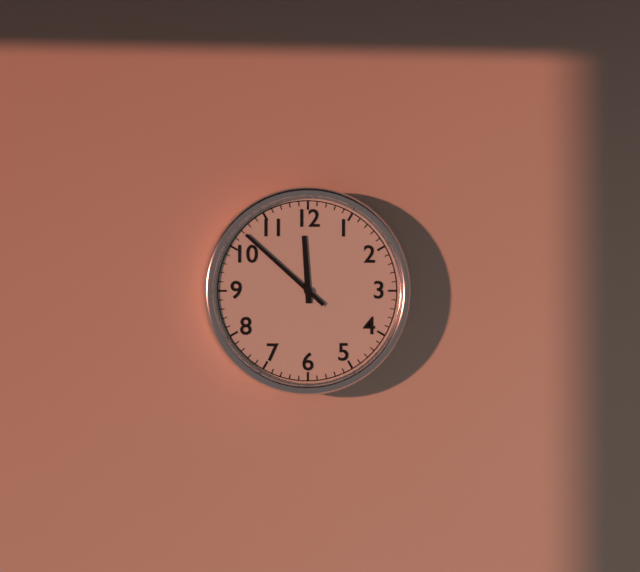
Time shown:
{"hour": 11, "minute": 52}
